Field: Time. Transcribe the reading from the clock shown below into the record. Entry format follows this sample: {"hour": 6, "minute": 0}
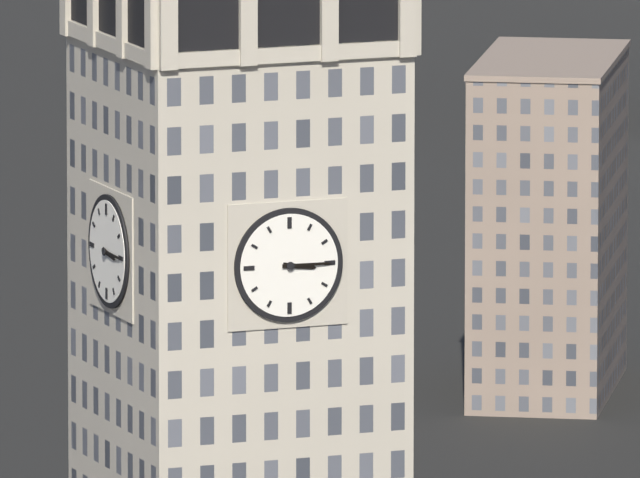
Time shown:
{"hour": 3, "minute": 15}
